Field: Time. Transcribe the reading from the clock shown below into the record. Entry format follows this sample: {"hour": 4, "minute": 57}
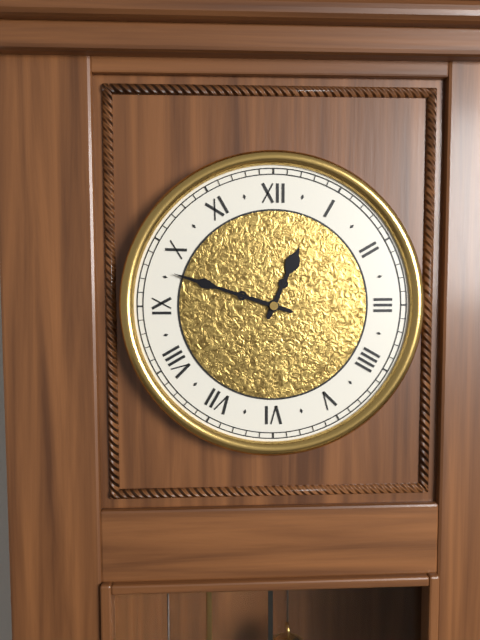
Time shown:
{"hour": 12, "minute": 48}
